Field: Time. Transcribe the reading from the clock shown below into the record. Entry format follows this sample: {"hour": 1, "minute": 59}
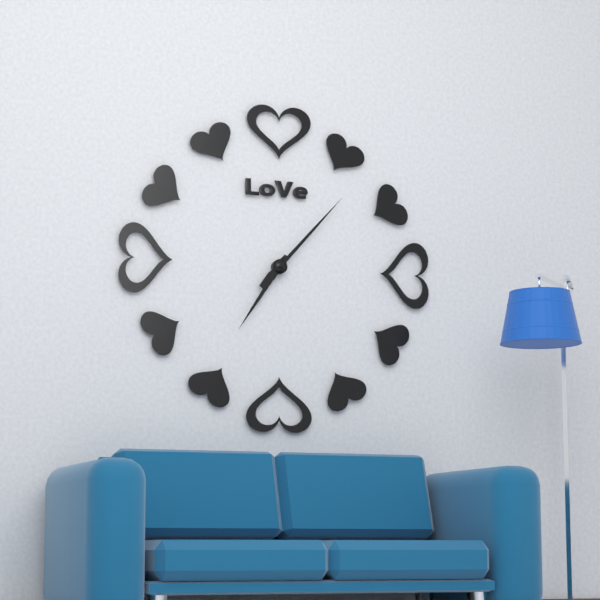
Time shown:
{"hour": 7, "minute": 7}
